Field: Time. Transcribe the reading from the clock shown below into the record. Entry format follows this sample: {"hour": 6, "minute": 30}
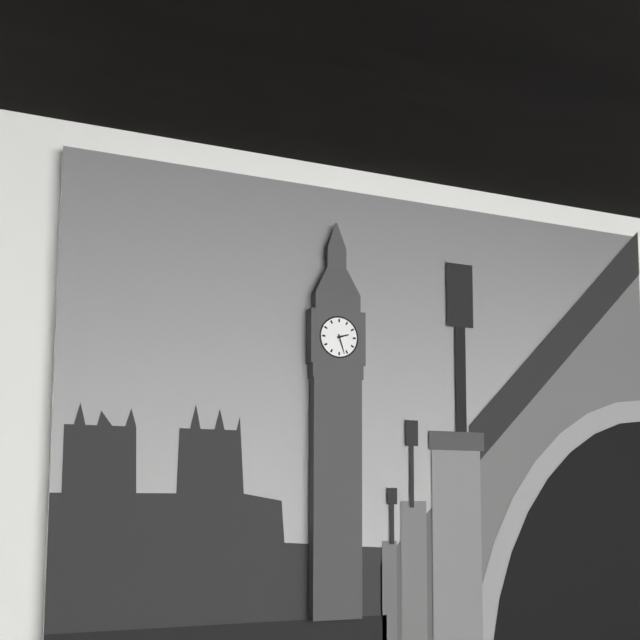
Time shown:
{"hour": 2, "minute": 27}
